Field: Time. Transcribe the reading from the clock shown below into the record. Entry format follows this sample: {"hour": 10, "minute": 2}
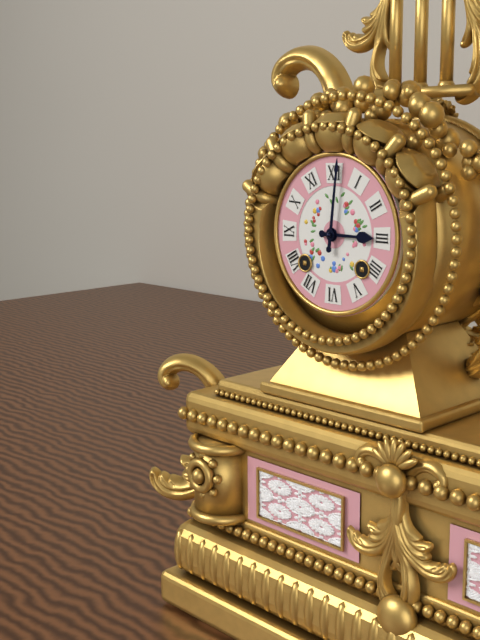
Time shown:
{"hour": 3, "minute": 1}
